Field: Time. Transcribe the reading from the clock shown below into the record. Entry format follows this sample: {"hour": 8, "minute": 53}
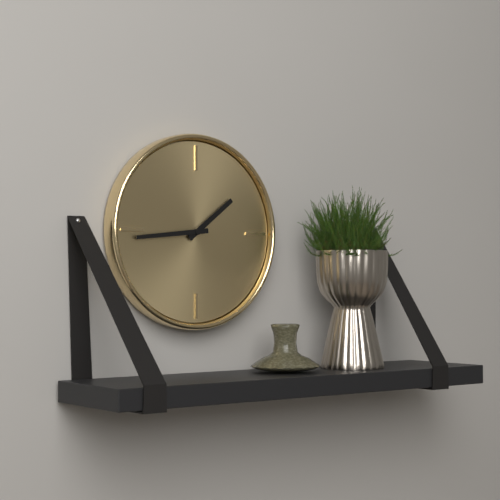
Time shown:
{"hour": 1, "minute": 44}
